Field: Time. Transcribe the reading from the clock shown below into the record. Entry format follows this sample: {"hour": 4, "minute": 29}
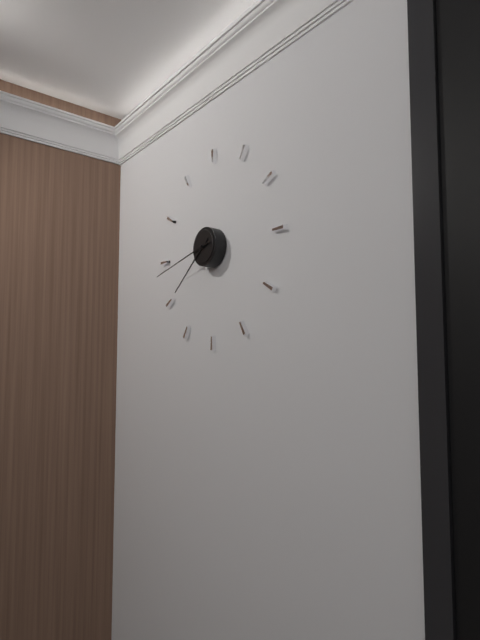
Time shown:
{"hour": 7, "minute": 43}
